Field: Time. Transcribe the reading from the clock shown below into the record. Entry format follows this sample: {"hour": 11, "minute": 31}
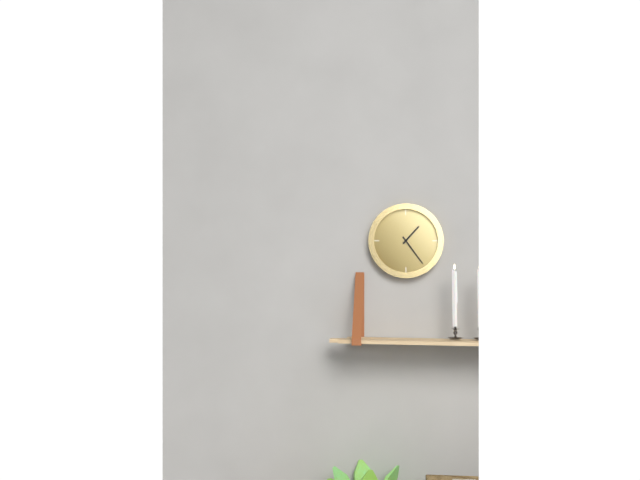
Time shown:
{"hour": 1, "minute": 24}
